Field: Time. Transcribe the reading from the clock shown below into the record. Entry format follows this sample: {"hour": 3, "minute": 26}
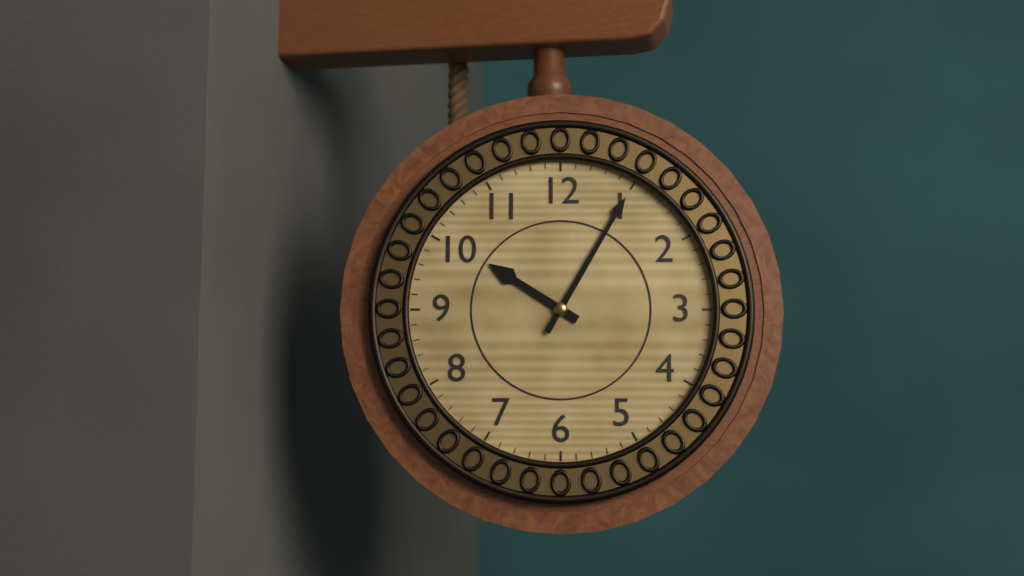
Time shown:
{"hour": 10, "minute": 5}
